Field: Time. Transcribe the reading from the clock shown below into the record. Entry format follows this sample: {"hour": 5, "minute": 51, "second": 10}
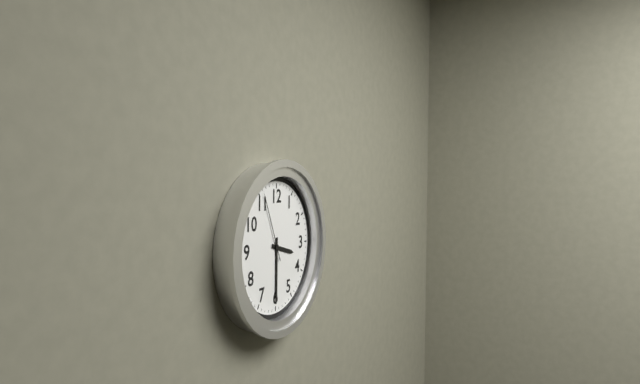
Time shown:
{"hour": 3, "minute": 30, "second": 56}
